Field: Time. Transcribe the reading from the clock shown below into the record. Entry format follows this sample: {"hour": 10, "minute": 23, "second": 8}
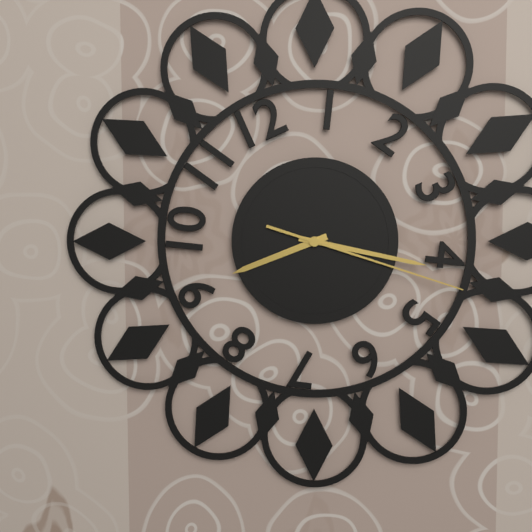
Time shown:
{"hour": 8, "minute": 17, "second": 18}
